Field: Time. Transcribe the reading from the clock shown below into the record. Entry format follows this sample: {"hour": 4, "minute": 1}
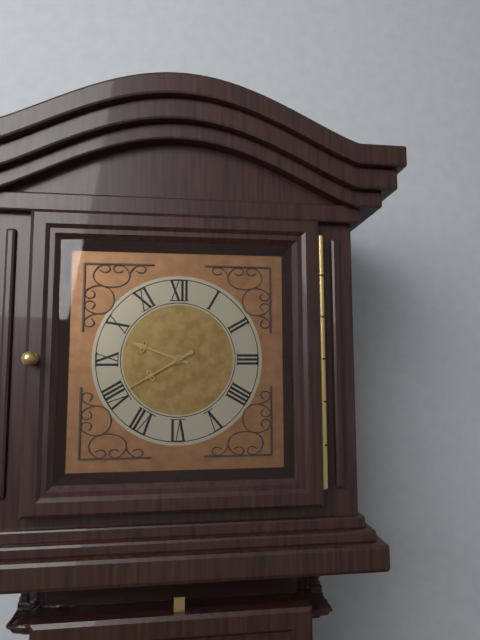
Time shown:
{"hour": 9, "minute": 40}
